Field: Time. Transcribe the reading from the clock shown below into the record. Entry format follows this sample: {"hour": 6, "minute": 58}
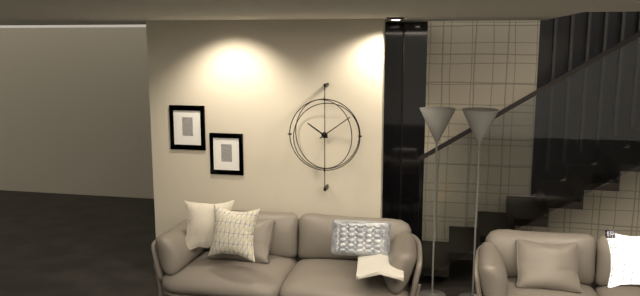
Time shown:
{"hour": 10, "minute": 9}
